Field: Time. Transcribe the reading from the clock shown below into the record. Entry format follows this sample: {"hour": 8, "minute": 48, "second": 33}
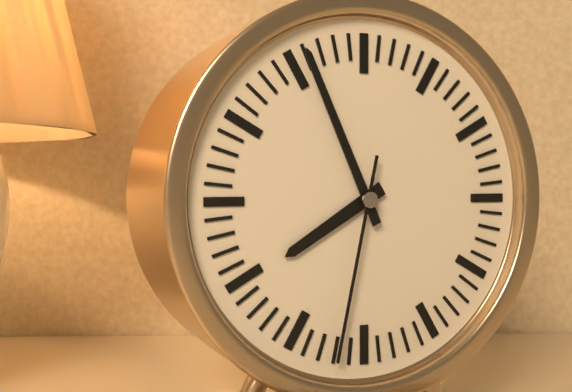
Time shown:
{"hour": 7, "minute": 56, "second": 32}
